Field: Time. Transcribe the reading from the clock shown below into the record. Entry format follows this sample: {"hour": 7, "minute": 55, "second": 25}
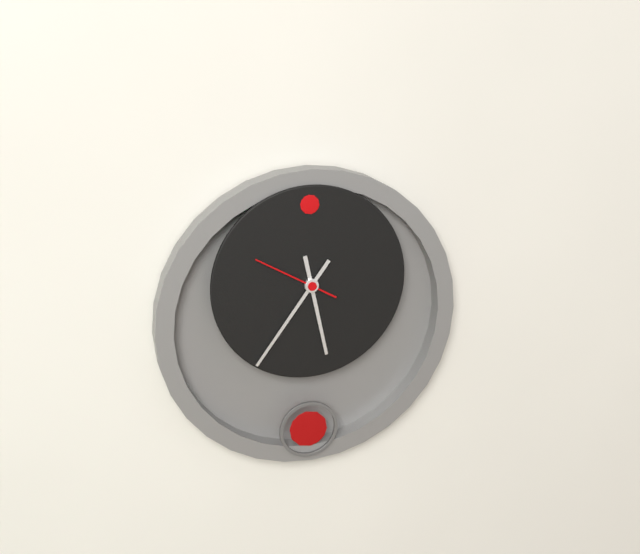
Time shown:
{"hour": 5, "minute": 36, "second": 50}
